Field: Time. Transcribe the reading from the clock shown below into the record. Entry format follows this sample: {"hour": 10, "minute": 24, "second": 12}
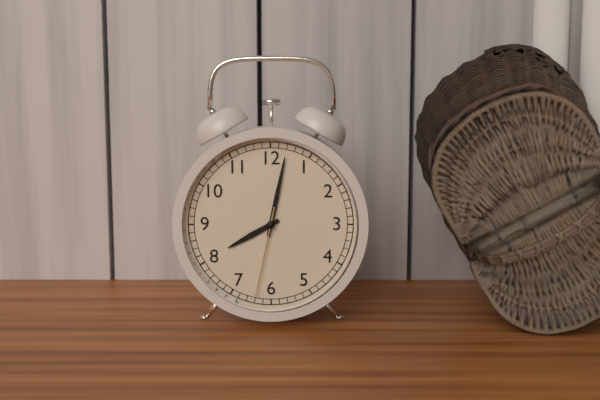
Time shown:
{"hour": 8, "minute": 2, "second": 32}
